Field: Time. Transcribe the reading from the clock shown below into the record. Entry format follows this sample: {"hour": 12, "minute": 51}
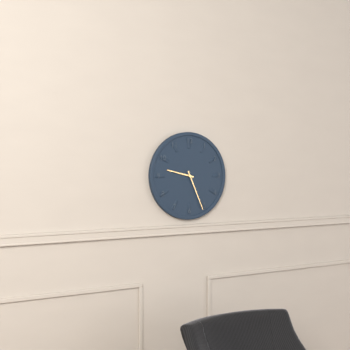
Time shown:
{"hour": 9, "minute": 26}
